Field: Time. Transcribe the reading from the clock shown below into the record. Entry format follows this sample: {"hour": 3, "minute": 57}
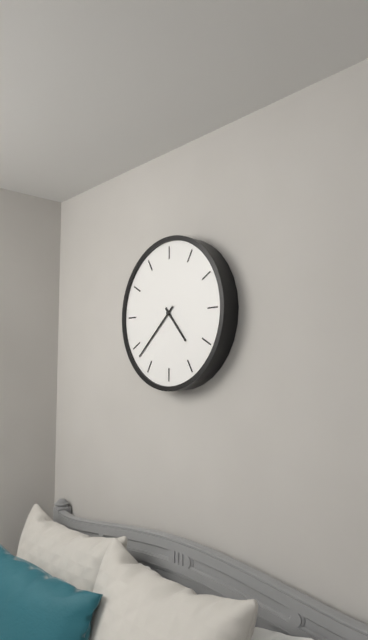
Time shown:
{"hour": 4, "minute": 38}
